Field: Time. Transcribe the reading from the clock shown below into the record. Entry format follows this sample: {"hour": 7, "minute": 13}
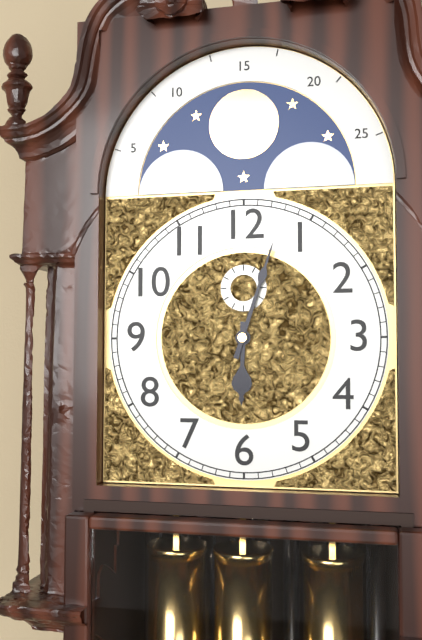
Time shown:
{"hour": 6, "minute": 3}
